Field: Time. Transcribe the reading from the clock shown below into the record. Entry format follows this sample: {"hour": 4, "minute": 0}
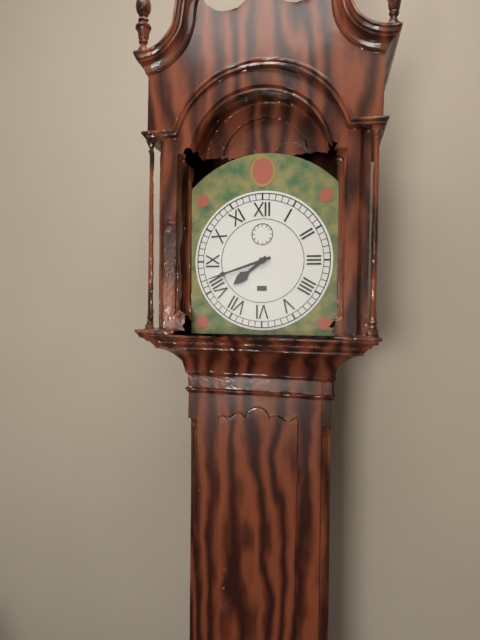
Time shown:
{"hour": 7, "minute": 42}
